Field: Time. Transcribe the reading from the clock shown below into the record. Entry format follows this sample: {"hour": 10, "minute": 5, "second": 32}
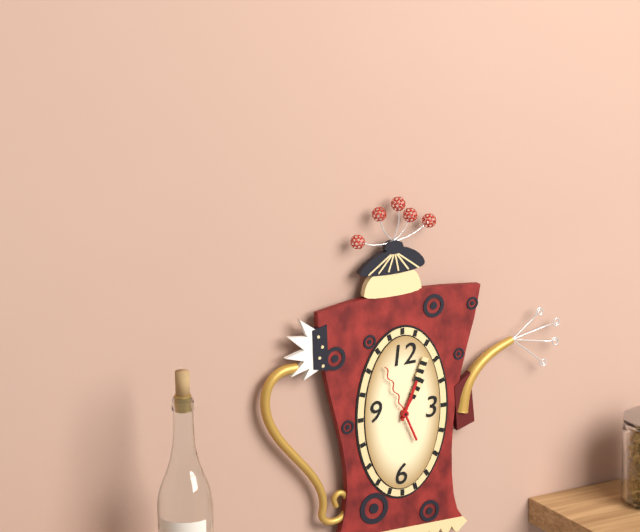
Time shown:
{"hour": 1, "minute": 4, "second": 56}
